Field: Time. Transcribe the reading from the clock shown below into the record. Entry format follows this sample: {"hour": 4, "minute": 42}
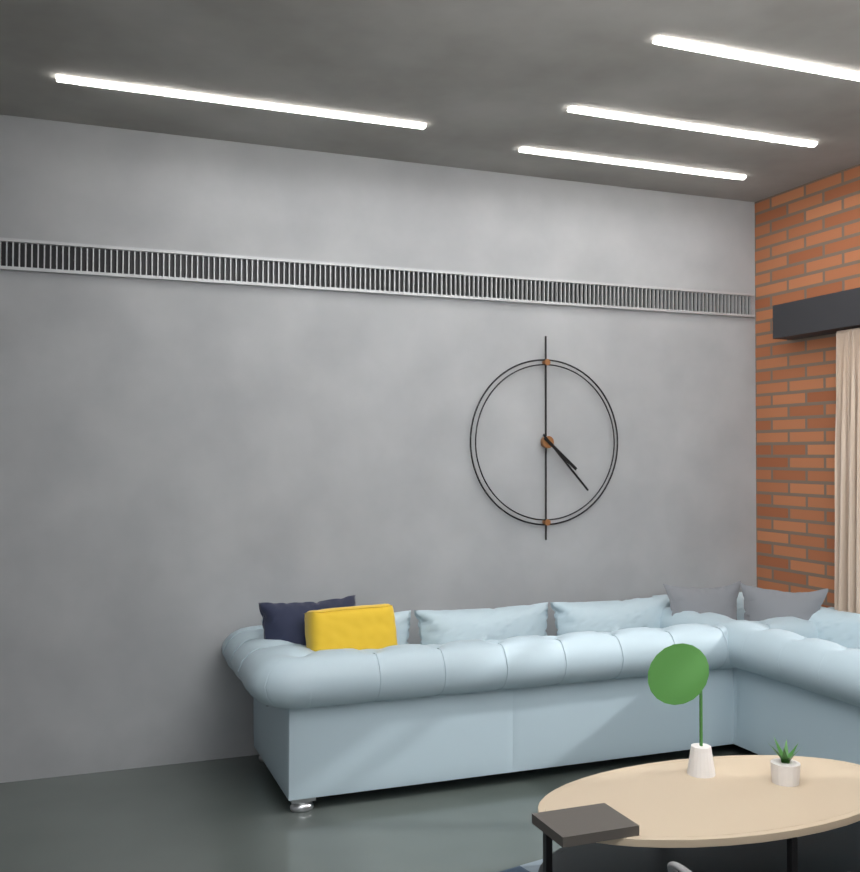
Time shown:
{"hour": 4, "minute": 23}
